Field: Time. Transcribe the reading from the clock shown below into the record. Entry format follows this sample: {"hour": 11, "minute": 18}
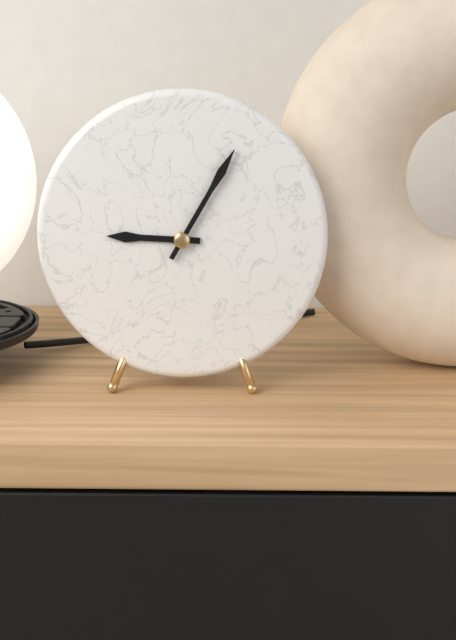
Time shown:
{"hour": 9, "minute": 5}
